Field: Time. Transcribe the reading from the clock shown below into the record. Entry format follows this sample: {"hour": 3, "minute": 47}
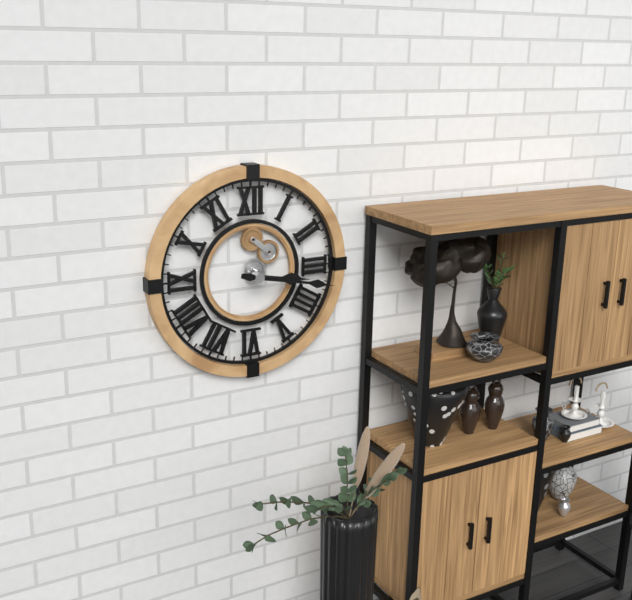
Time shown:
{"hour": 3, "minute": 17}
